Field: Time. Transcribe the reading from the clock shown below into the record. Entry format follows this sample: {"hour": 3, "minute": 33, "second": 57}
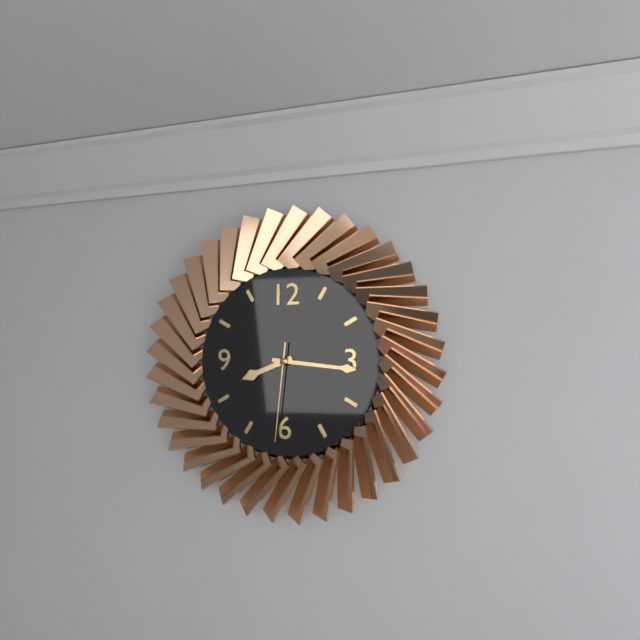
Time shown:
{"hour": 8, "minute": 16, "second": 31}
